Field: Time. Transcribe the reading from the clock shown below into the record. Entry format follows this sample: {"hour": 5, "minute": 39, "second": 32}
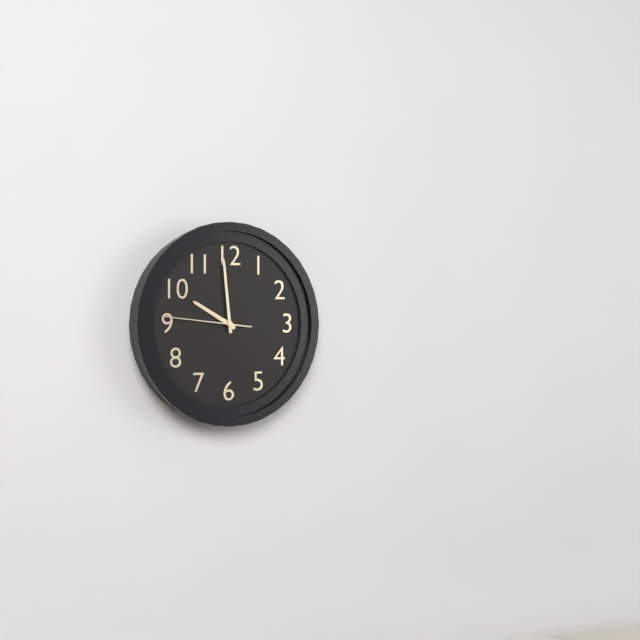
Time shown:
{"hour": 9, "minute": 59, "second": 46}
